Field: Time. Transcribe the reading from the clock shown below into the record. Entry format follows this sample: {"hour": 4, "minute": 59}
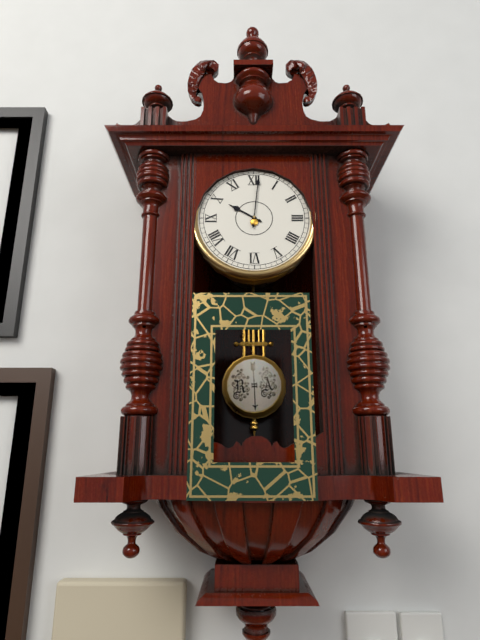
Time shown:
{"hour": 10, "minute": 1}
